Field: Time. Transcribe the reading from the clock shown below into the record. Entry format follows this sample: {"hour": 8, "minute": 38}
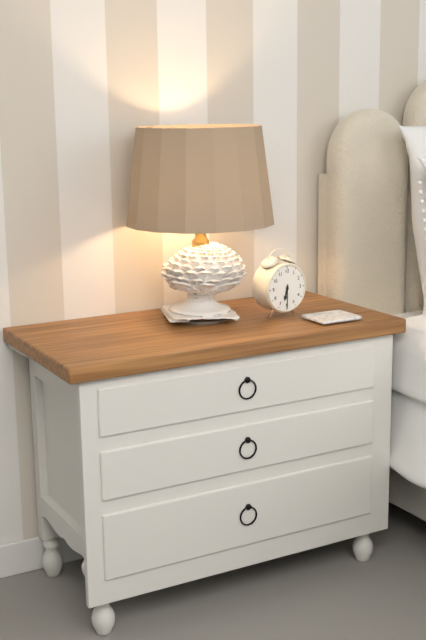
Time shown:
{"hour": 6, "minute": 30}
